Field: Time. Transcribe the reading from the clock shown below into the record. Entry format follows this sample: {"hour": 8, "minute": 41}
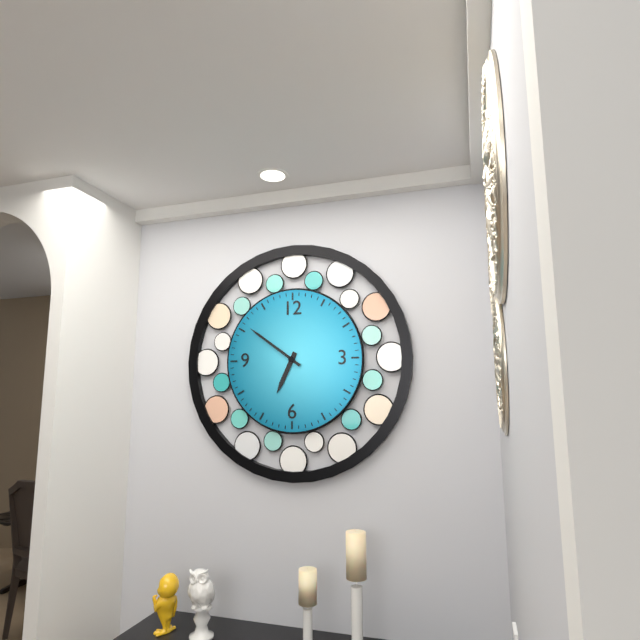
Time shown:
{"hour": 6, "minute": 51}
